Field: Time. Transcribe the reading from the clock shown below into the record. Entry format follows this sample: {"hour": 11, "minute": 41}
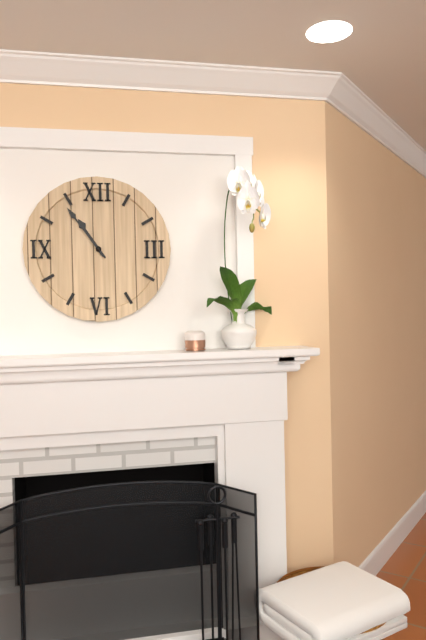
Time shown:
{"hour": 10, "minute": 54}
